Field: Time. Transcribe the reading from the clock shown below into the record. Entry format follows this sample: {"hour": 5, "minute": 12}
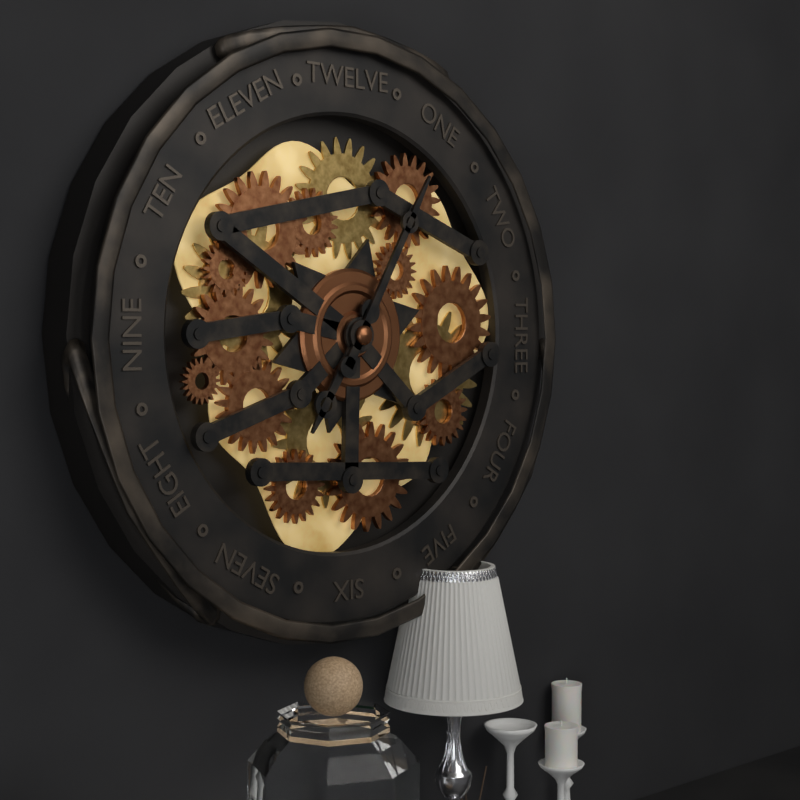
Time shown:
{"hour": 7, "minute": 5}
